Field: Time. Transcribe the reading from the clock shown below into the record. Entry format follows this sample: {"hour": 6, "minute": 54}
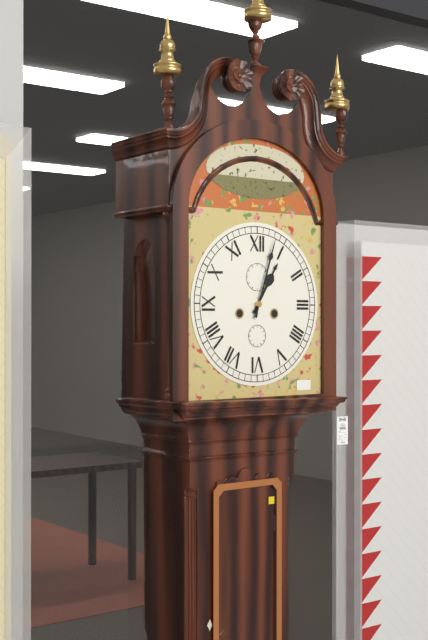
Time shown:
{"hour": 1, "minute": 3}
